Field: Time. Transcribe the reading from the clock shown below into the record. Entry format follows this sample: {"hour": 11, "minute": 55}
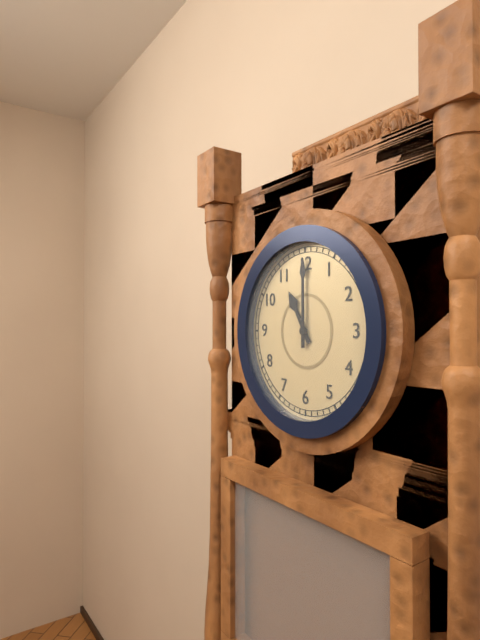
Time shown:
{"hour": 11, "minute": 0}
